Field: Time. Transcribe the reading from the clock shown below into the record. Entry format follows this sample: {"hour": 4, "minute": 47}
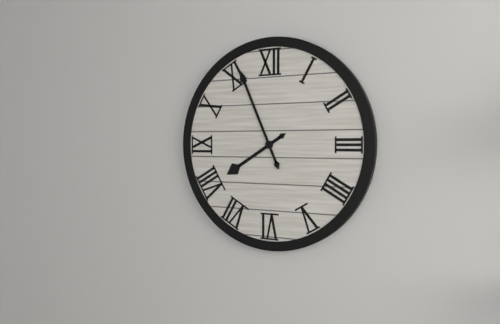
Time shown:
{"hour": 7, "minute": 56}
